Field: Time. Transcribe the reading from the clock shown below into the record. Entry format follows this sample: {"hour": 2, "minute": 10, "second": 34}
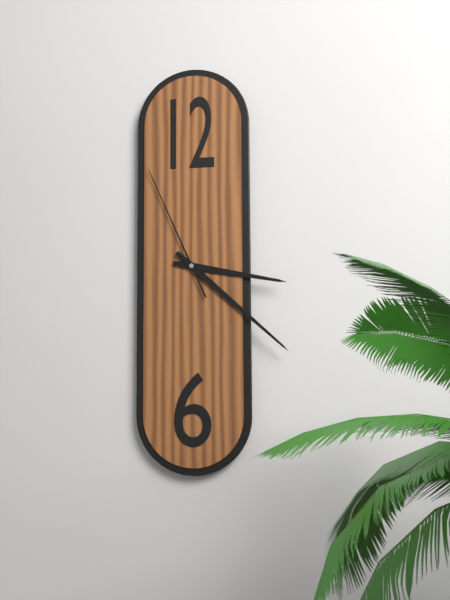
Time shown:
{"hour": 3, "minute": 22, "second": 56}
